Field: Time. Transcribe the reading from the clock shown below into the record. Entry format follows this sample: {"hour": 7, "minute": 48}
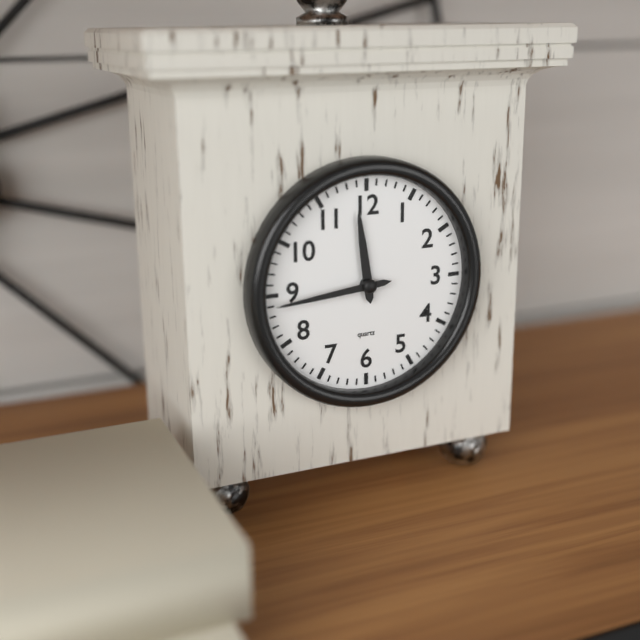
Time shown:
{"hour": 11, "minute": 44}
